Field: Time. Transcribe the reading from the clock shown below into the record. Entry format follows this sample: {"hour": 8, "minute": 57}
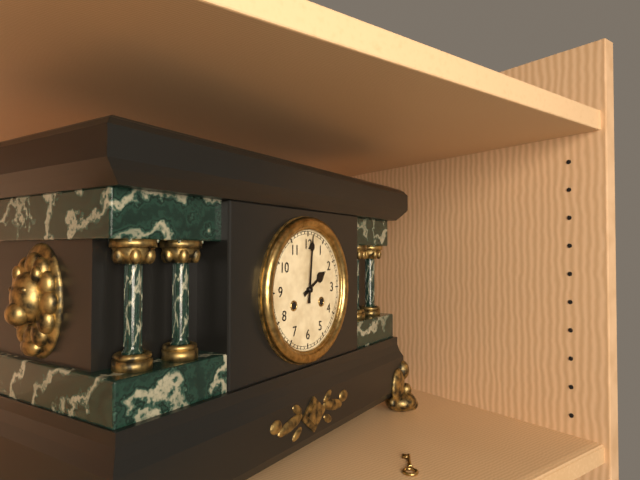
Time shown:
{"hour": 2, "minute": 1}
